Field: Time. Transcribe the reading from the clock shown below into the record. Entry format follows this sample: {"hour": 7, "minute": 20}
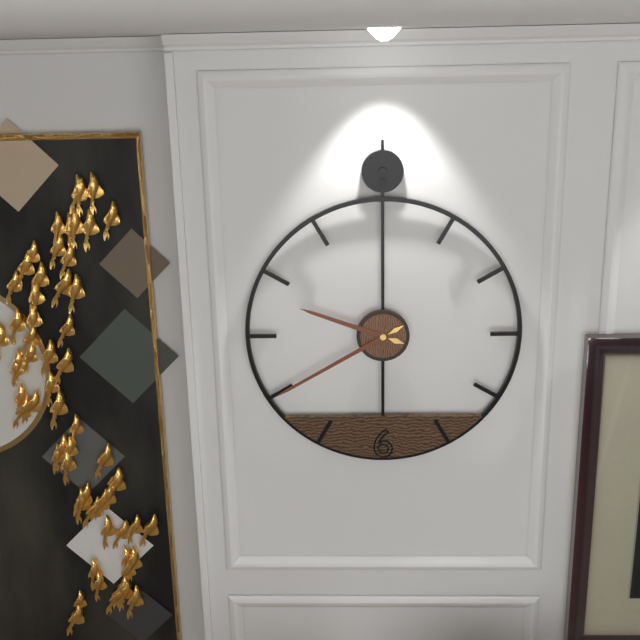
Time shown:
{"hour": 9, "minute": 40}
